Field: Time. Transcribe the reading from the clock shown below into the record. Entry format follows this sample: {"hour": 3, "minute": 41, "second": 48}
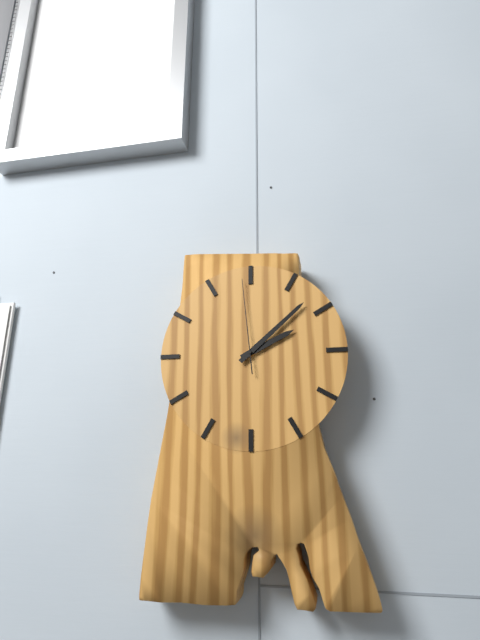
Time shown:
{"hour": 2, "minute": 8, "second": 59}
